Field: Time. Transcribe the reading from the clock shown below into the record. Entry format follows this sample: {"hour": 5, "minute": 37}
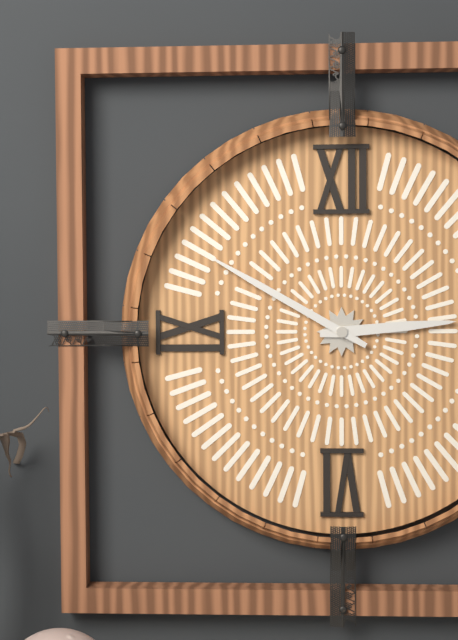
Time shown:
{"hour": 2, "minute": 50}
